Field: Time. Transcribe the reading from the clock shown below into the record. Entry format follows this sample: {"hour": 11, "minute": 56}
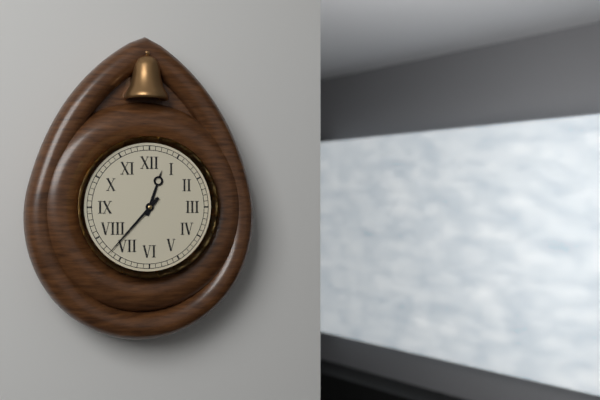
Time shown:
{"hour": 12, "minute": 37}
